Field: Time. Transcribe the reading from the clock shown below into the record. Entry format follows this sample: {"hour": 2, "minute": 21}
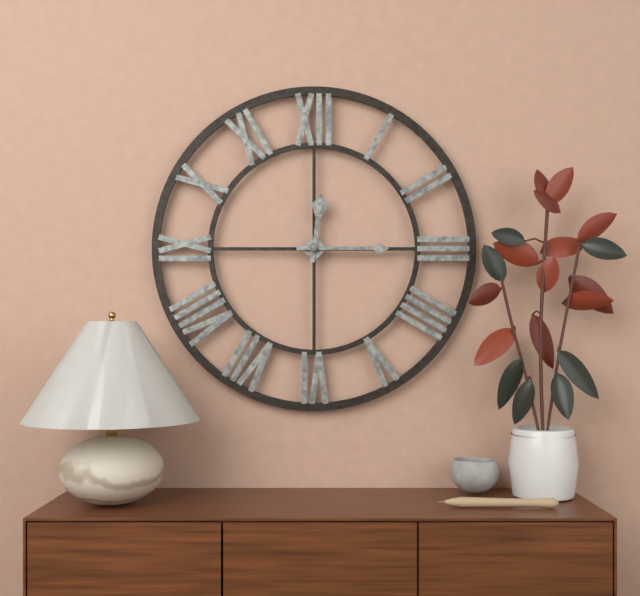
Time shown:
{"hour": 12, "minute": 15}
